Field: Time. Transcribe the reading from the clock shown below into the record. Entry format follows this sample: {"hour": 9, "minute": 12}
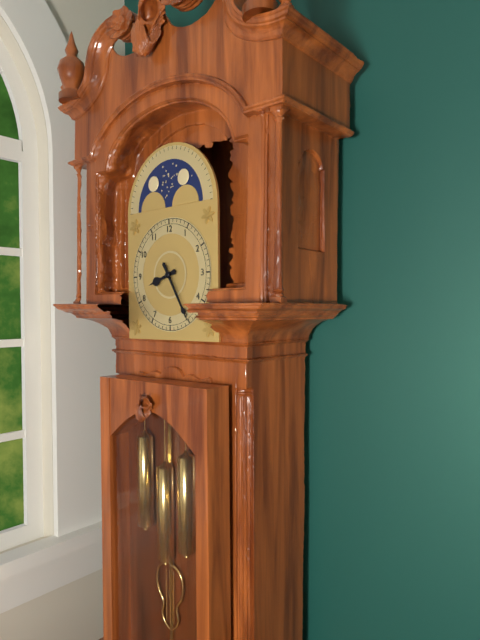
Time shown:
{"hour": 8, "minute": 25}
